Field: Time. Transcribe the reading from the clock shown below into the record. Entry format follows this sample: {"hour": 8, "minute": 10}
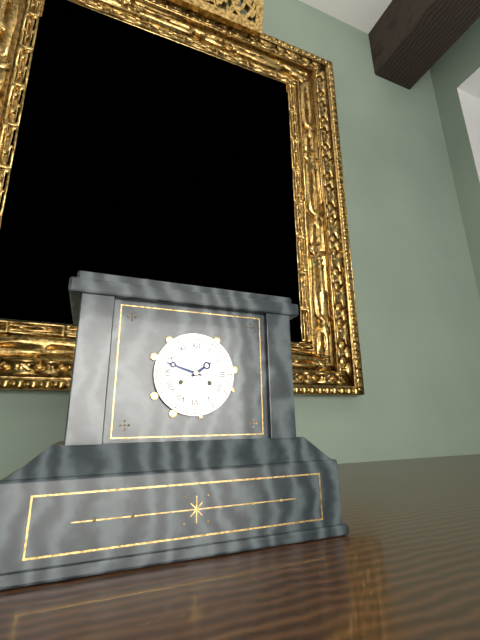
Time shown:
{"hour": 1, "minute": 48}
